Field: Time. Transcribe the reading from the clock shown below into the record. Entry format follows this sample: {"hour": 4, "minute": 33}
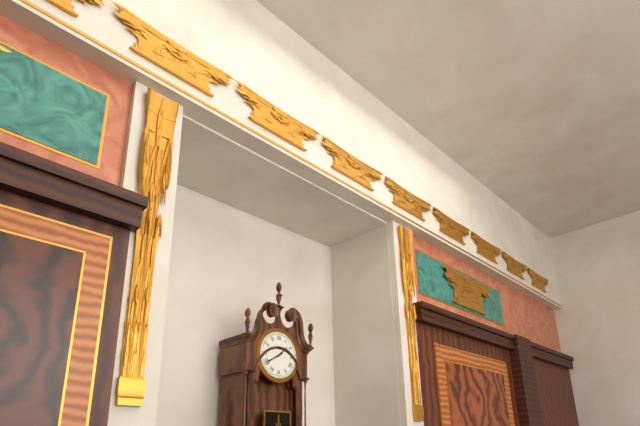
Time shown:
{"hour": 1, "minute": 40}
